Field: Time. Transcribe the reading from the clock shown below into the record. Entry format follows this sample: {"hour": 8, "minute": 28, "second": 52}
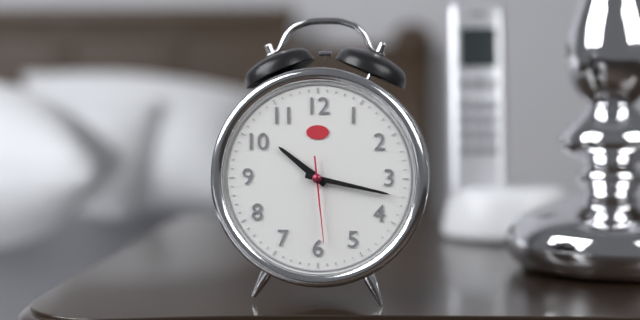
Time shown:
{"hour": 10, "minute": 17, "second": 29}
